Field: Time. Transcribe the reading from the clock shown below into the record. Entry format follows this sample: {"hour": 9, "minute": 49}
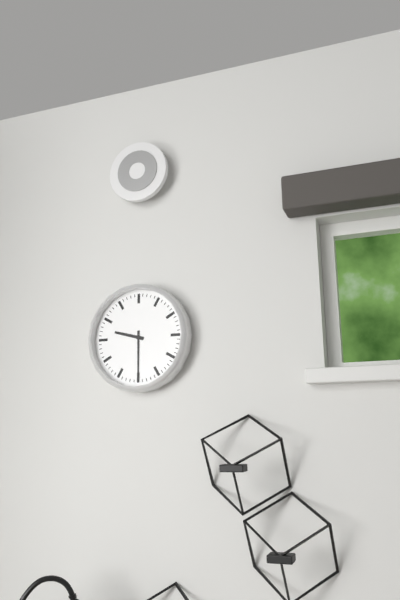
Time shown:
{"hour": 9, "minute": 30}
